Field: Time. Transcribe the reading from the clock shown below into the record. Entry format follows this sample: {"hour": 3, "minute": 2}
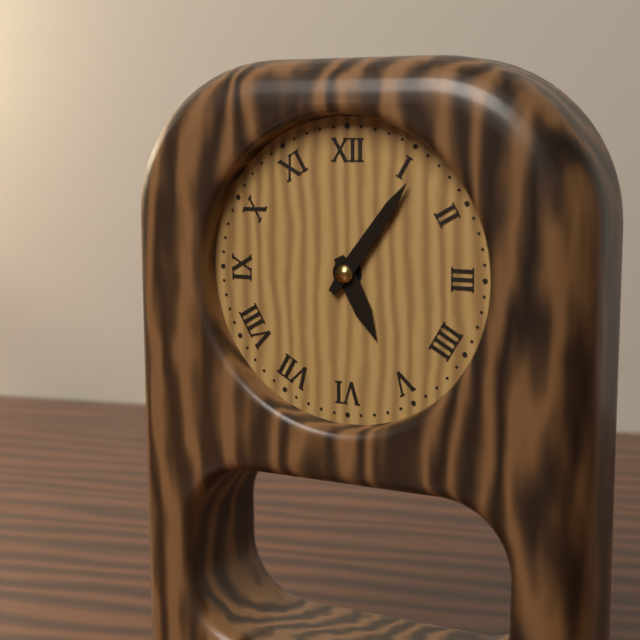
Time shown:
{"hour": 5, "minute": 6}
